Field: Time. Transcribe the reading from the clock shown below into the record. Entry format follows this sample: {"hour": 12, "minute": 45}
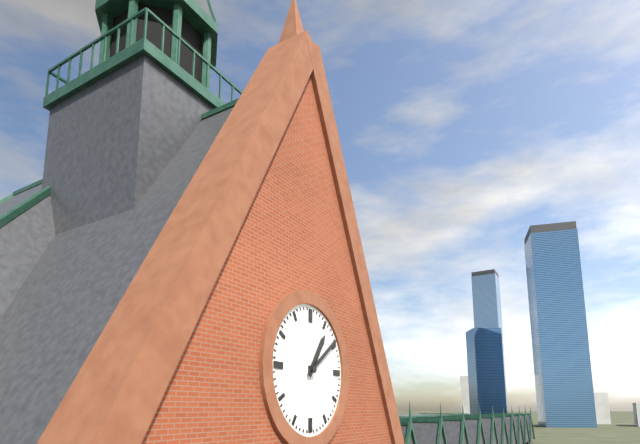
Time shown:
{"hour": 1, "minute": 9}
